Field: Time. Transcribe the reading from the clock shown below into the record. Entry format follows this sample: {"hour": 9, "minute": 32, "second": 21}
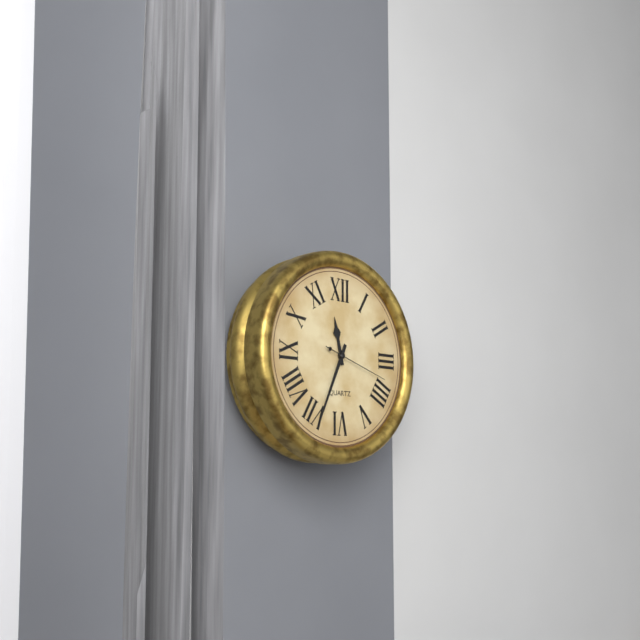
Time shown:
{"hour": 11, "minute": 34, "second": 18}
